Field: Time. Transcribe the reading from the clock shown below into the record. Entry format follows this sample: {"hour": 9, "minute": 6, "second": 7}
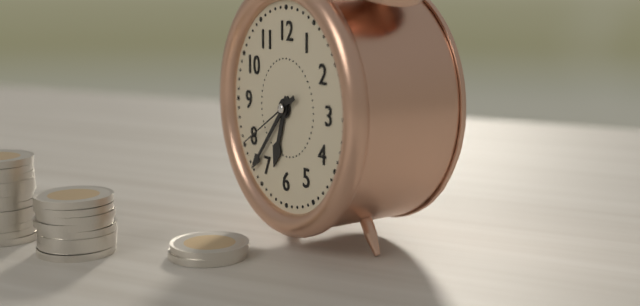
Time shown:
{"hour": 6, "minute": 37, "second": 40}
